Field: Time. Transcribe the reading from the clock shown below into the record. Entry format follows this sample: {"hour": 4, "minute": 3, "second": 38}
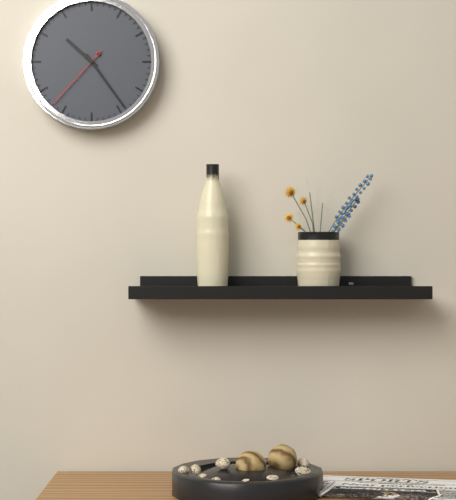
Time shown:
{"hour": 10, "minute": 24, "second": 37}
